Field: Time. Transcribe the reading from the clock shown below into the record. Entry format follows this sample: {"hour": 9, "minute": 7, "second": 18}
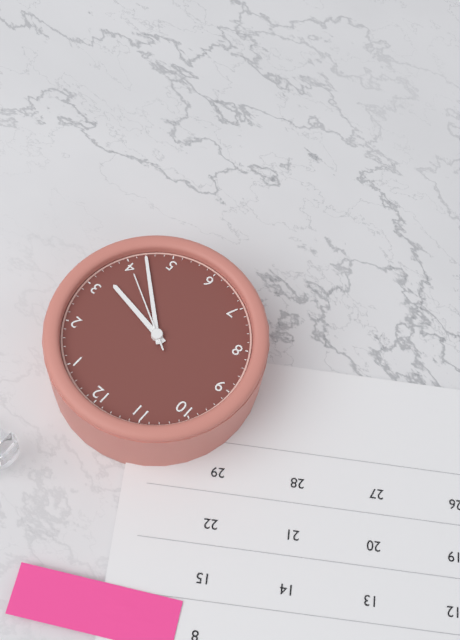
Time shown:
{"hour": 3, "minute": 22, "second": 20}
